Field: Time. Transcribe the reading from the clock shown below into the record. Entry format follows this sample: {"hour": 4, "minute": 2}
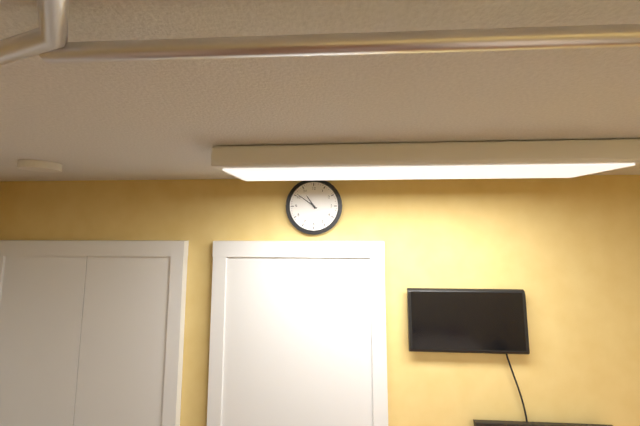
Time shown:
{"hour": 10, "minute": 51}
